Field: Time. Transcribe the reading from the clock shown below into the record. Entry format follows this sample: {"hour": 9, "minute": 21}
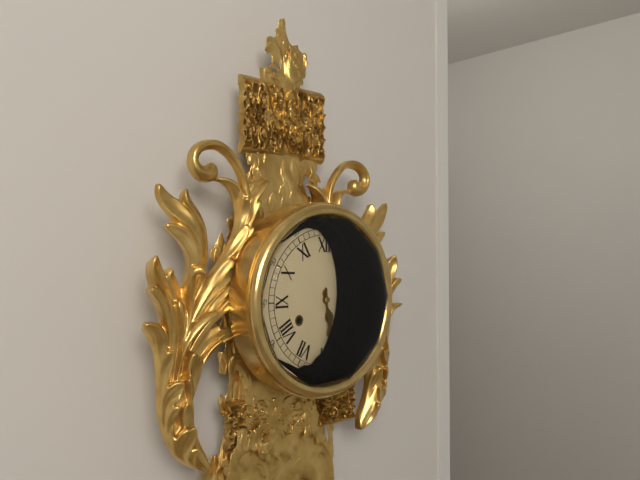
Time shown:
{"hour": 5, "minute": 29}
